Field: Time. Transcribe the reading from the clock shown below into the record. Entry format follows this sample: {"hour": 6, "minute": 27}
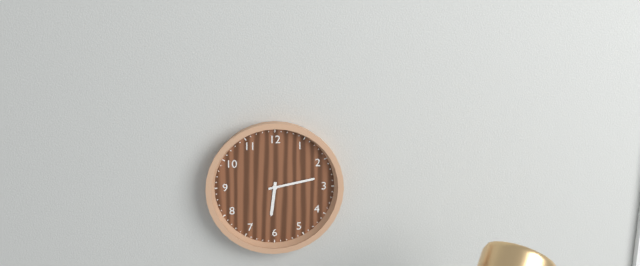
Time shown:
{"hour": 6, "minute": 13}
